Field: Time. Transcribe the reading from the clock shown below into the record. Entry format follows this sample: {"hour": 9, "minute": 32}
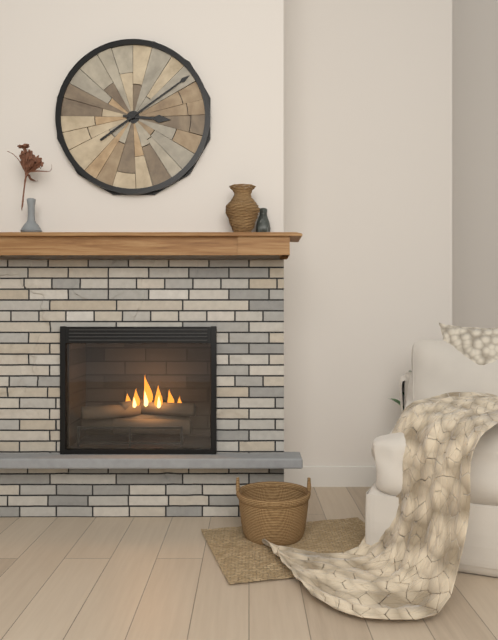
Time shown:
{"hour": 3, "minute": 9}
